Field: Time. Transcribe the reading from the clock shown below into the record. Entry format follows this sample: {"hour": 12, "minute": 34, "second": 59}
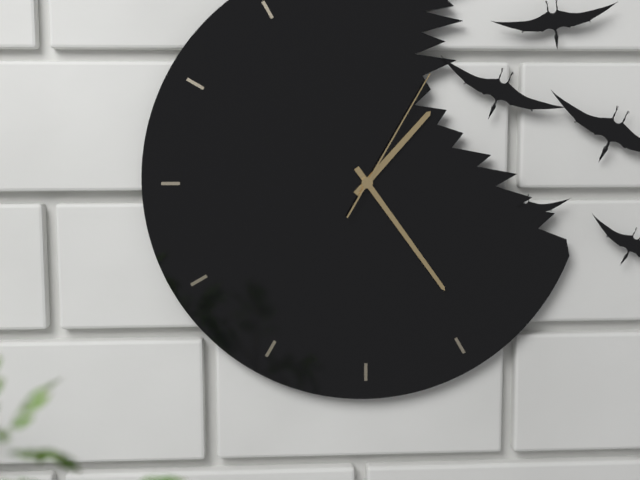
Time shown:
{"hour": 1, "minute": 24, "second": 5}
